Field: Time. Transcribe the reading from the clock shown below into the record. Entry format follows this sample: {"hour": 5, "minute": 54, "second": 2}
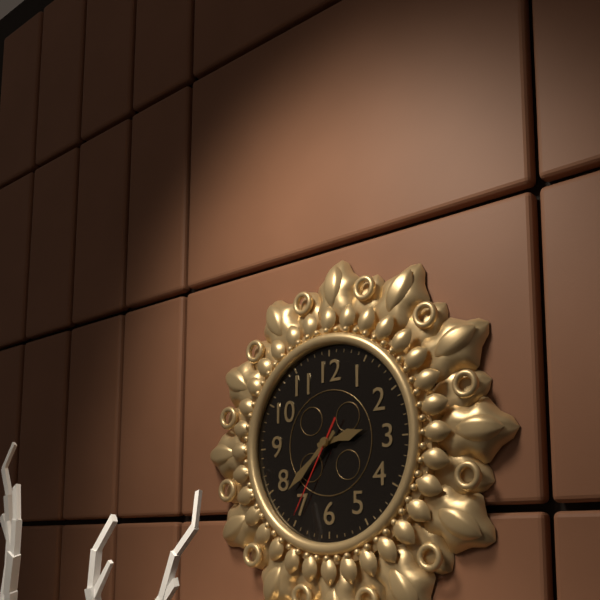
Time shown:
{"hour": 2, "minute": 38, "second": 35}
